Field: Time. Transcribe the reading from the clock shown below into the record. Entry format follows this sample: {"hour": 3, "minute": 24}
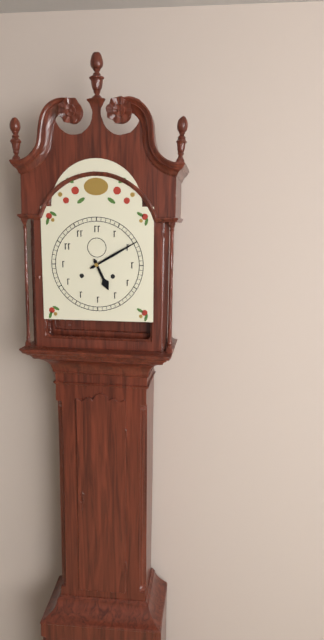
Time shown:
{"hour": 5, "minute": 10}
